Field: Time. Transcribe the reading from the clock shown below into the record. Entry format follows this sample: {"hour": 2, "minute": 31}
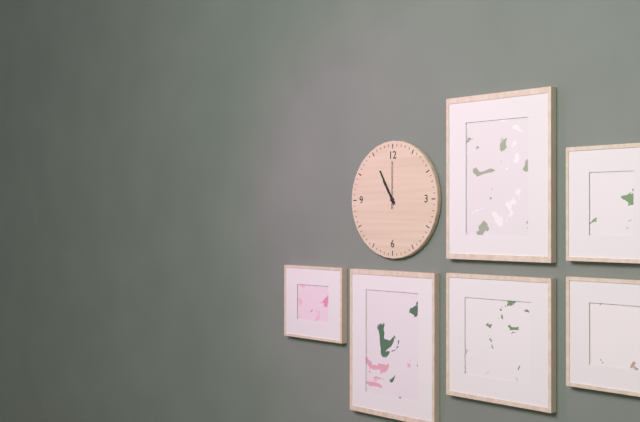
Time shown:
{"hour": 10, "minute": 55}
